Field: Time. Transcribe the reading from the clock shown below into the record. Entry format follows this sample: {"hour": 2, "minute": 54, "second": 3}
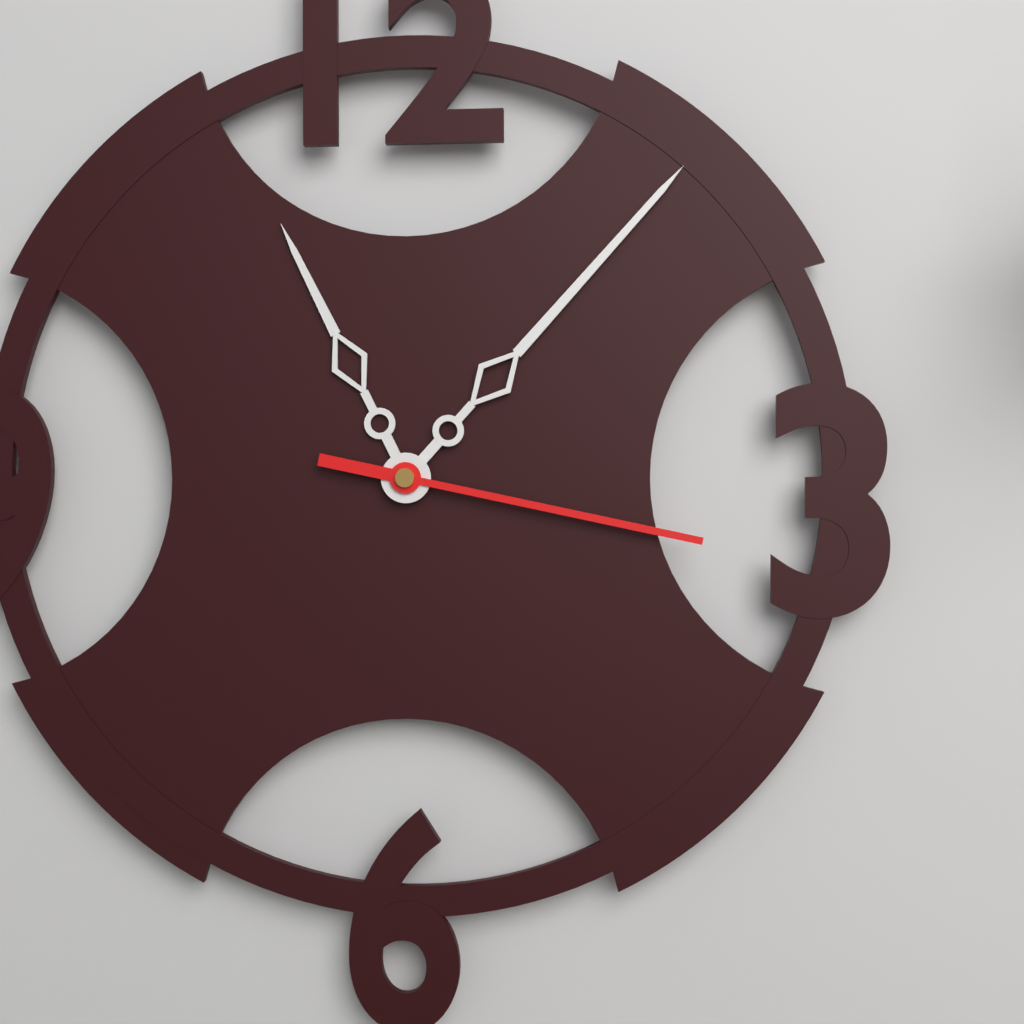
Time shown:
{"hour": 11, "minute": 7, "second": 17}
